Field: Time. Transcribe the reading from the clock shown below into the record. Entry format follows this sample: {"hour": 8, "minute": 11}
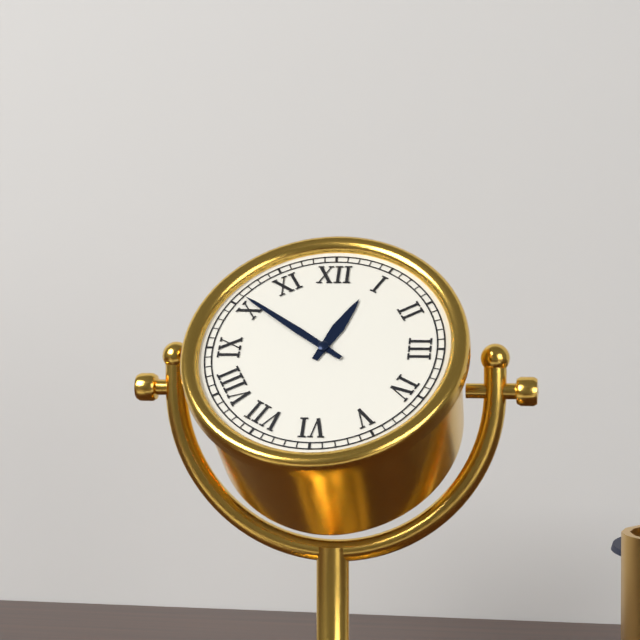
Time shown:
{"hour": 12, "minute": 51}
